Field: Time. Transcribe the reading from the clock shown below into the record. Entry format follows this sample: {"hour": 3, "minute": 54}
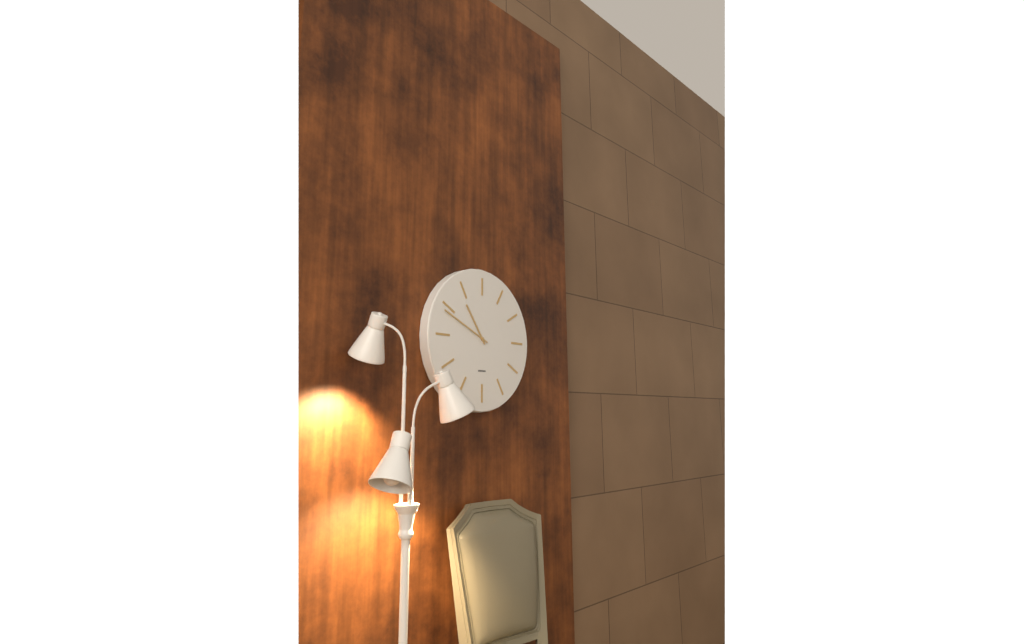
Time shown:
{"hour": 10, "minute": 49}
